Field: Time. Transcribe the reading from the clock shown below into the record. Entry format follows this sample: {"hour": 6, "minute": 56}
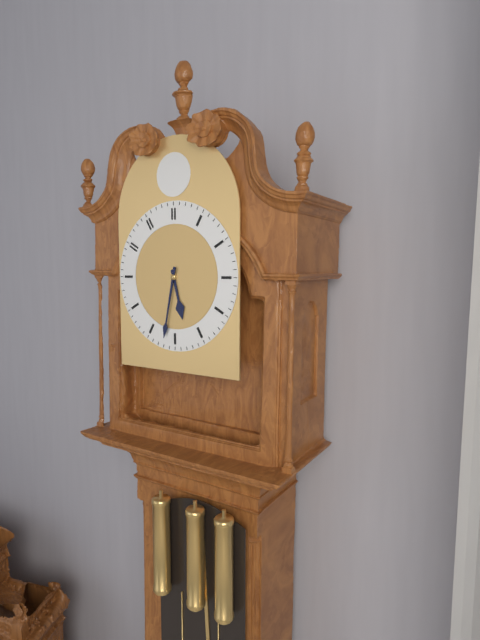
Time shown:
{"hour": 5, "minute": 32}
